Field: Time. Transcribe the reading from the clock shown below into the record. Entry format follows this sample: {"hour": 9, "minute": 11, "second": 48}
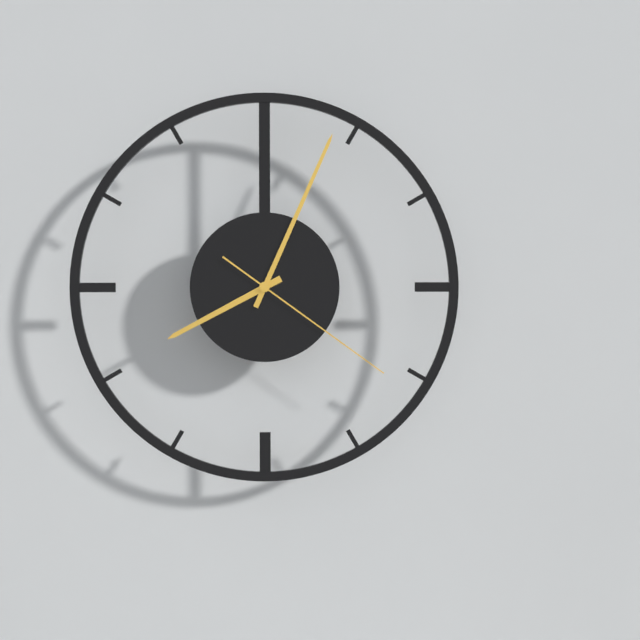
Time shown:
{"hour": 8, "minute": 4, "second": 21}
